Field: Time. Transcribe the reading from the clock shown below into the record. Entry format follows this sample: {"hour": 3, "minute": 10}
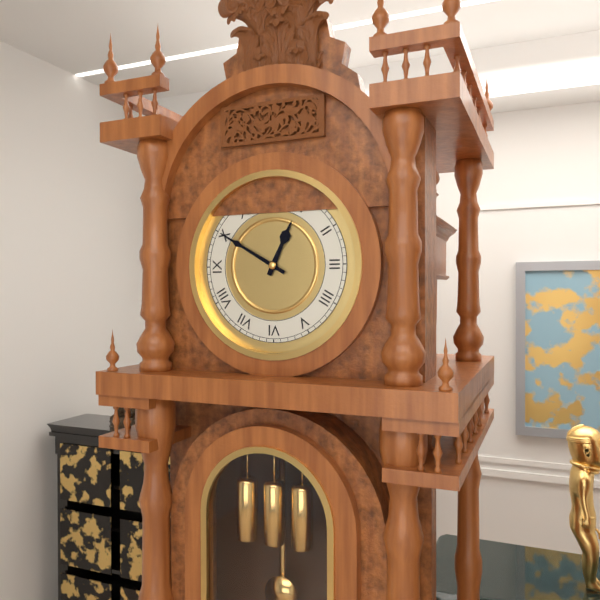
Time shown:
{"hour": 12, "minute": 50}
